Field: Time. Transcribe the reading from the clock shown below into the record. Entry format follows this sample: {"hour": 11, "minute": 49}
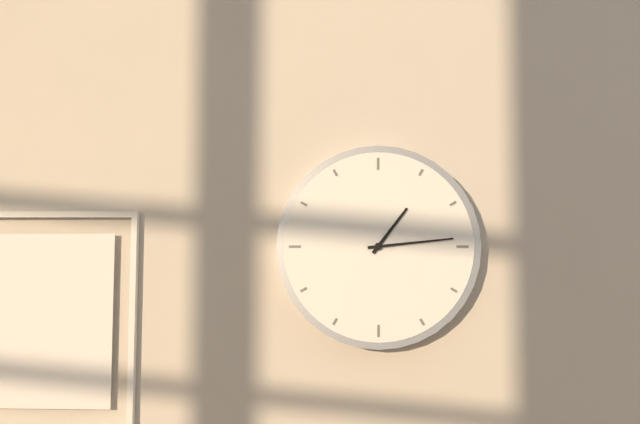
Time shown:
{"hour": 1, "minute": 14}
